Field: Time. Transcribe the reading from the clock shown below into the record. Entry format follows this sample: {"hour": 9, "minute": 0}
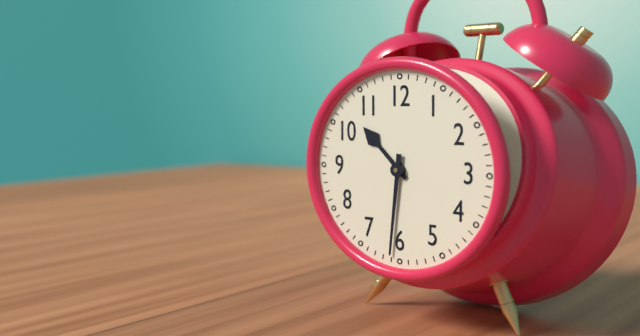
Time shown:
{"hour": 10, "minute": 31}
